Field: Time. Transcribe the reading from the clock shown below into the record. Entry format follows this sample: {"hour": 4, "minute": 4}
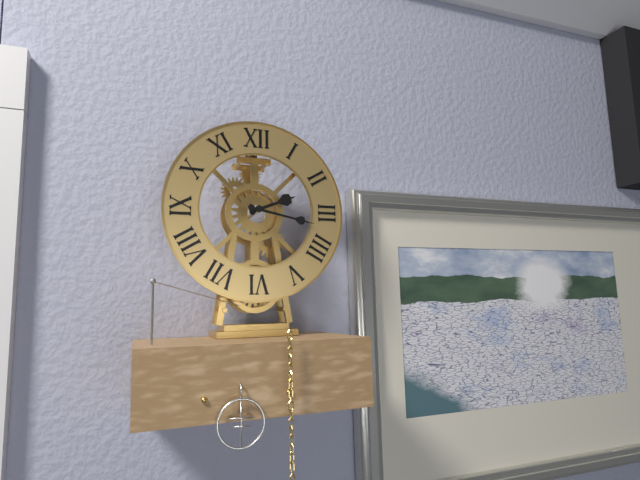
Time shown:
{"hour": 2, "minute": 17}
